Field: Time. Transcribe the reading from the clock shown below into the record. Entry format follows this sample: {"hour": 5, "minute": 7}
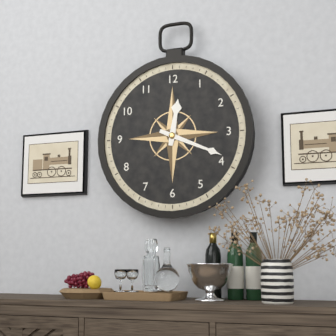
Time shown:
{"hour": 12, "minute": 19}
